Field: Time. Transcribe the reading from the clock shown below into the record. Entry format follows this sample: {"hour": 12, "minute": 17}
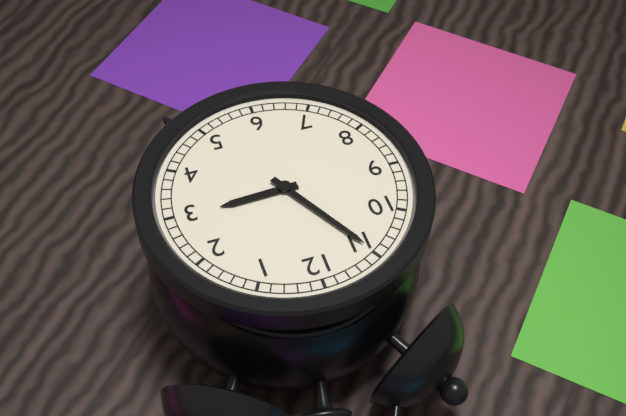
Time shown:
{"hour": 2, "minute": 55}
